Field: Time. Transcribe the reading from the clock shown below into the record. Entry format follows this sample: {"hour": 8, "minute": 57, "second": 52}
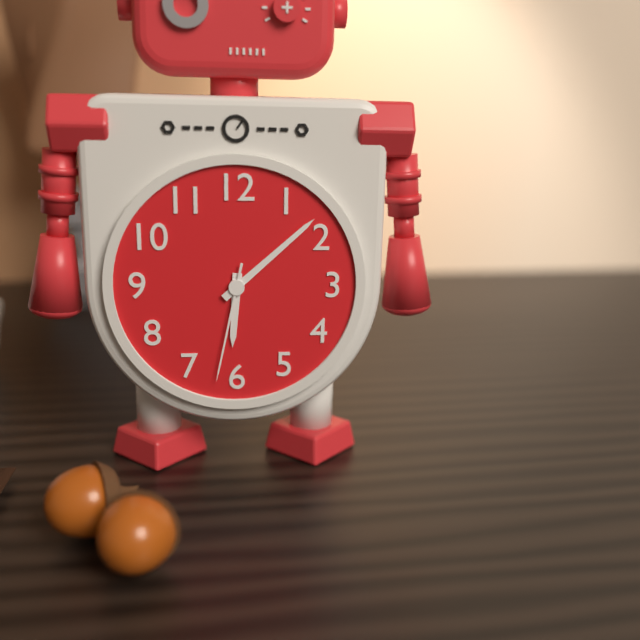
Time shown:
{"hour": 6, "minute": 8, "second": 32}
